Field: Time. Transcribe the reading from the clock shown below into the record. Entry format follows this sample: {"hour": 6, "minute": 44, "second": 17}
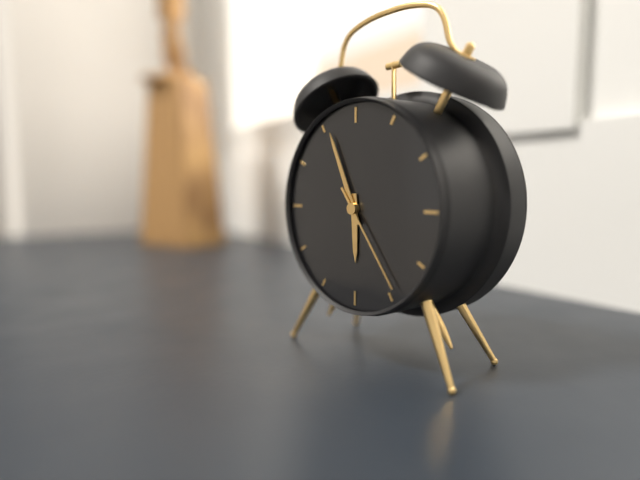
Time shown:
{"hour": 5, "minute": 56, "second": 24}
